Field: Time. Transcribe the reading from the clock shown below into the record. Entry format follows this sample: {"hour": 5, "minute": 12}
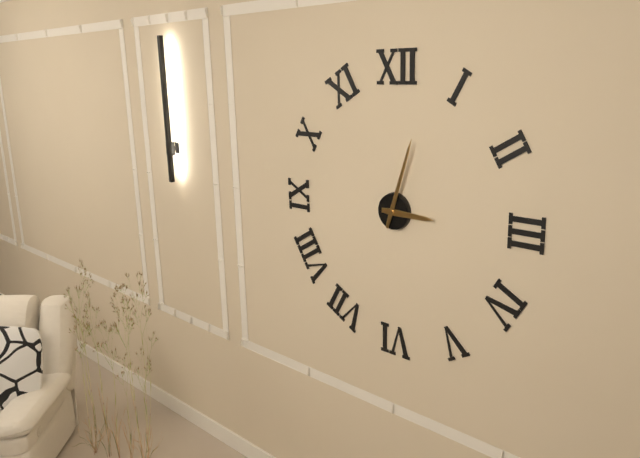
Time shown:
{"hour": 3, "minute": 3}
